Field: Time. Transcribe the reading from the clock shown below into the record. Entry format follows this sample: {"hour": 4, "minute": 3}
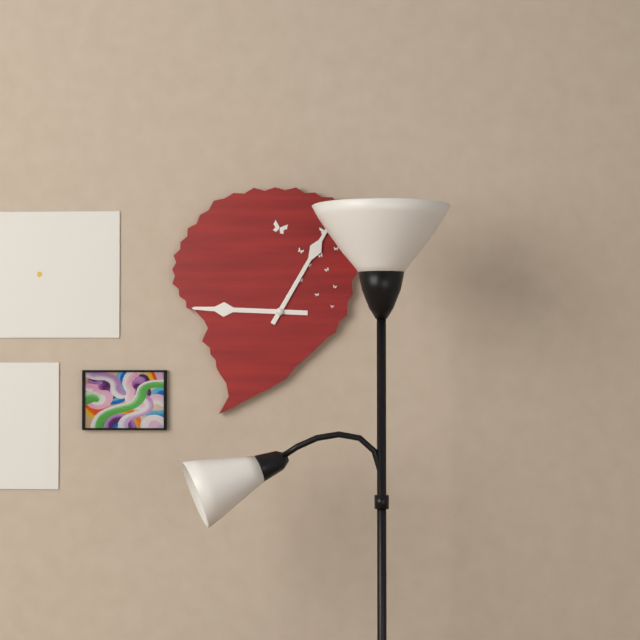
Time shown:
{"hour": 9, "minute": 5}
